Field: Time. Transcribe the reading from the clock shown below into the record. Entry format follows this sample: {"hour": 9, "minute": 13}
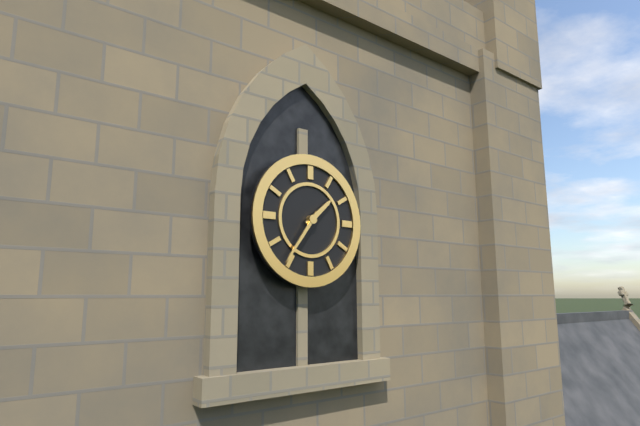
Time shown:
{"hour": 1, "minute": 36}
